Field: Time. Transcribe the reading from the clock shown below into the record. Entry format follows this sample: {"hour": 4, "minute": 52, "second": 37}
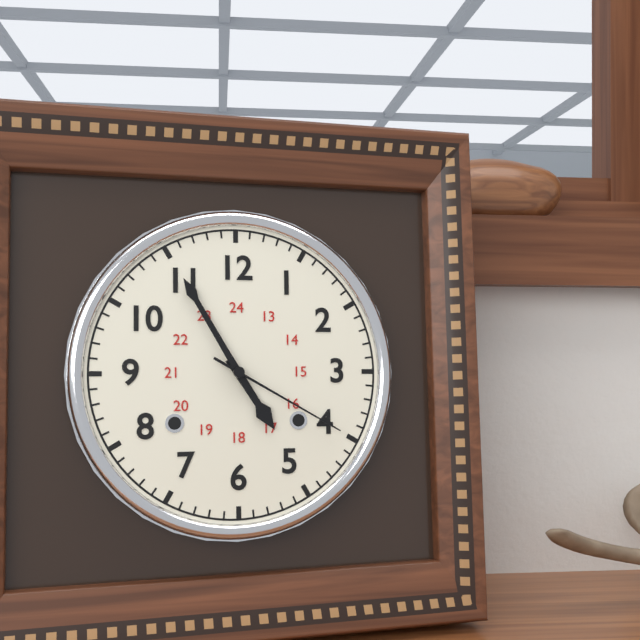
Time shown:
{"hour": 4, "minute": 55, "second": 20}
